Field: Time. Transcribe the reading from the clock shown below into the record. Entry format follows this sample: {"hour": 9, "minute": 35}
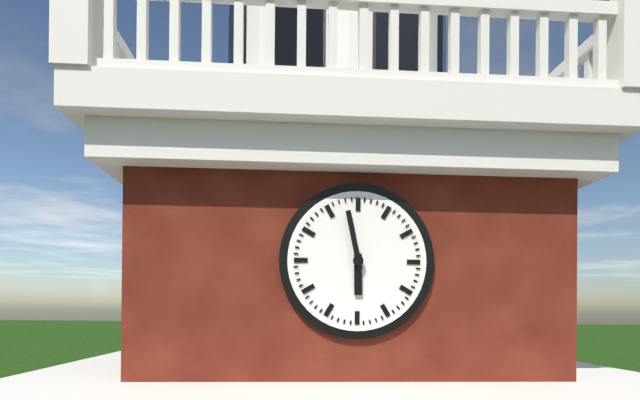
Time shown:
{"hour": 5, "minute": 58}
